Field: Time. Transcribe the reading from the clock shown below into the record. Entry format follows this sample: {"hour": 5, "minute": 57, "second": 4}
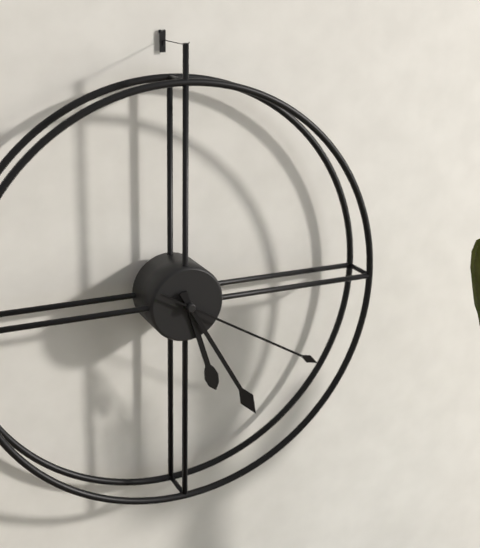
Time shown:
{"hour": 5, "minute": 25, "second": 20}
